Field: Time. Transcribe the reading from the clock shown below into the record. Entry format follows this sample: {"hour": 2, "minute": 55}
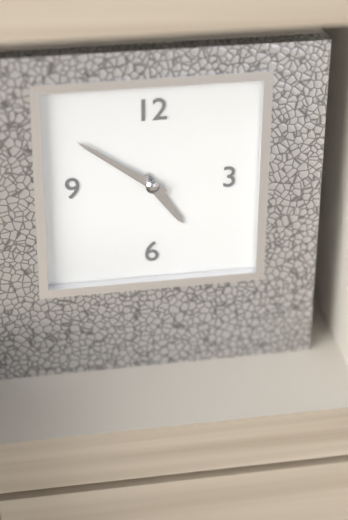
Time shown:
{"hour": 4, "minute": 51}
